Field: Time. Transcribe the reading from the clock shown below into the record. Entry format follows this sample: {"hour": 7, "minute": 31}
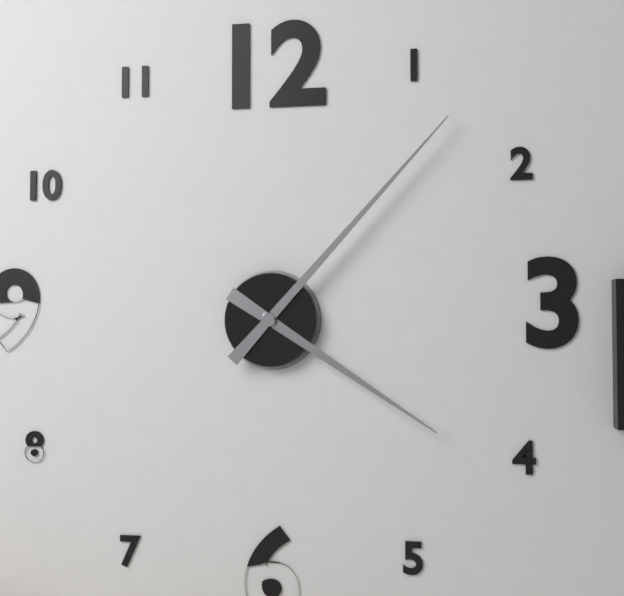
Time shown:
{"hour": 4, "minute": 7}
